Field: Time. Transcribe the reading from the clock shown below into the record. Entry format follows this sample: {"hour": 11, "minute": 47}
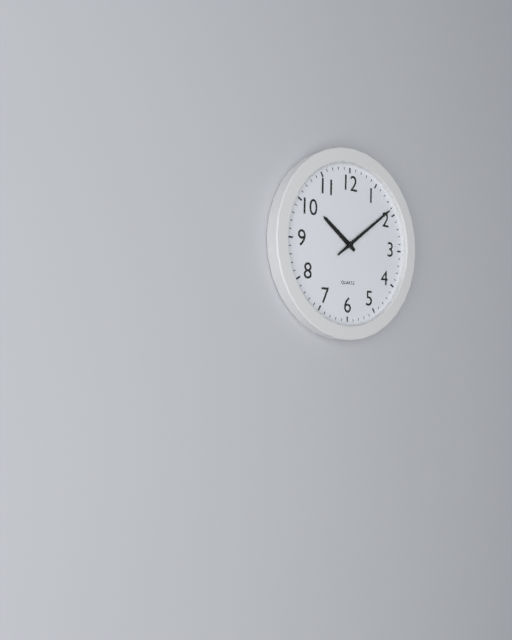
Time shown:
{"hour": 10, "minute": 9}
